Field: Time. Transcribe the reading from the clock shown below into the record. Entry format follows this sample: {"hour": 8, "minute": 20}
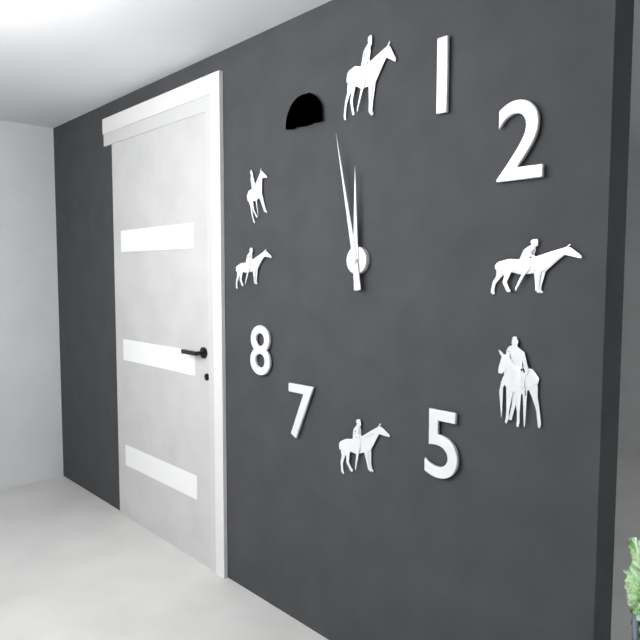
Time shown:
{"hour": 11, "minute": 58}
